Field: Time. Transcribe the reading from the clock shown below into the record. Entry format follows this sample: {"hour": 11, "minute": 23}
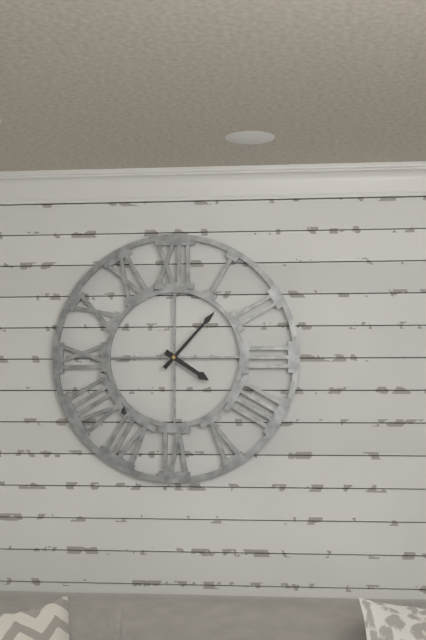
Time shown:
{"hour": 4, "minute": 7}
